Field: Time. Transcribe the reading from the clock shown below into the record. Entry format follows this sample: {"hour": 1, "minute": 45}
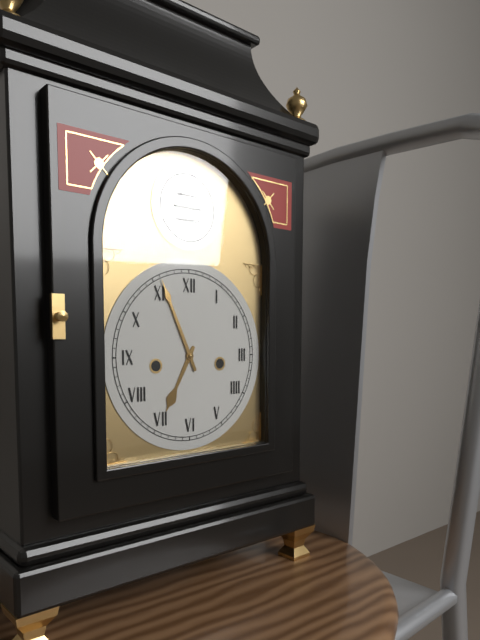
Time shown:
{"hour": 6, "minute": 56}
